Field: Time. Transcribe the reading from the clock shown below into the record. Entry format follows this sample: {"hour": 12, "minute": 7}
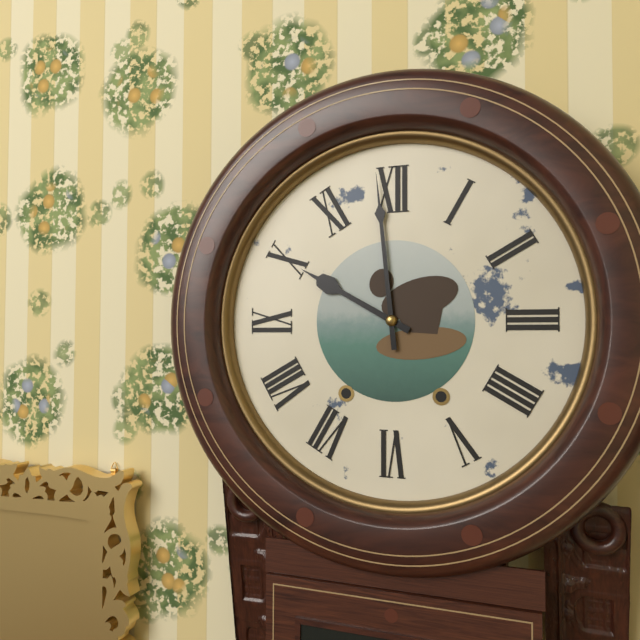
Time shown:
{"hour": 9, "minute": 59}
